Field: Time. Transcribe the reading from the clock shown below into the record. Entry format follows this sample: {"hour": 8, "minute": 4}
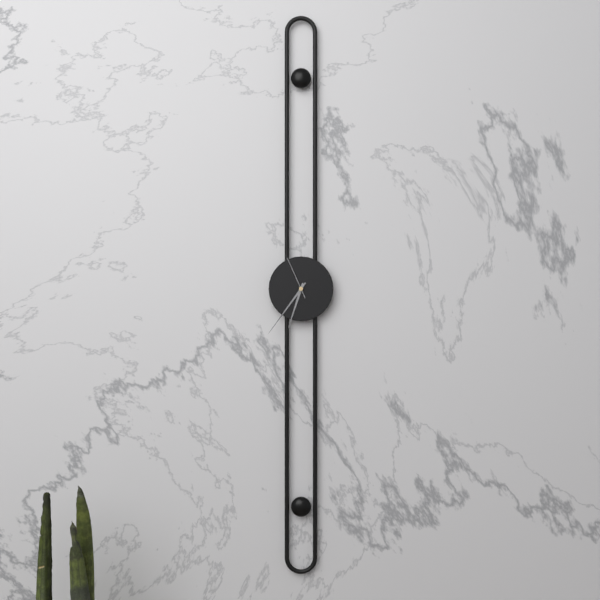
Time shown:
{"hour": 6, "minute": 36}
